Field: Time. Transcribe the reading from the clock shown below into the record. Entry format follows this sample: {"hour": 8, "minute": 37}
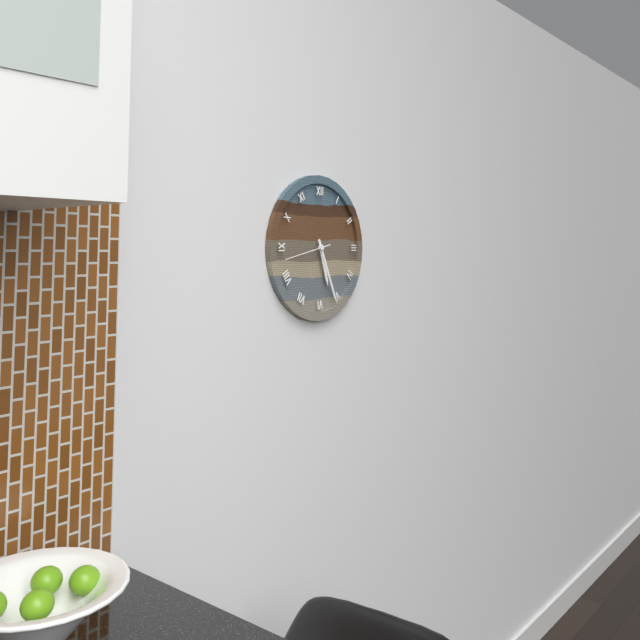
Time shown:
{"hour": 5, "minute": 26}
